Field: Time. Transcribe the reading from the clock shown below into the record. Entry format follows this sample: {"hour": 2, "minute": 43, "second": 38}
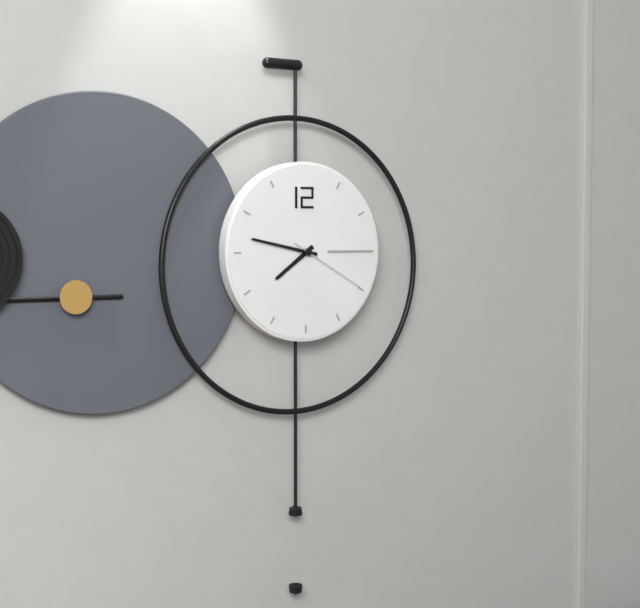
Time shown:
{"hour": 7, "minute": 47, "second": 20}
